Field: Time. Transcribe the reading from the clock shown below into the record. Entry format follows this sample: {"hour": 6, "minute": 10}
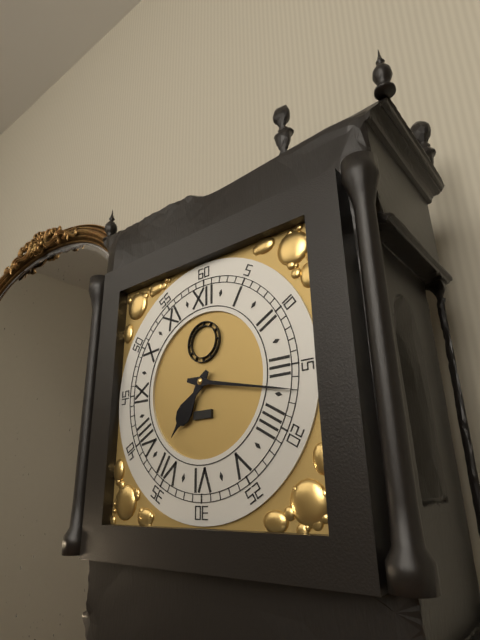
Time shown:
{"hour": 7, "minute": 17}
